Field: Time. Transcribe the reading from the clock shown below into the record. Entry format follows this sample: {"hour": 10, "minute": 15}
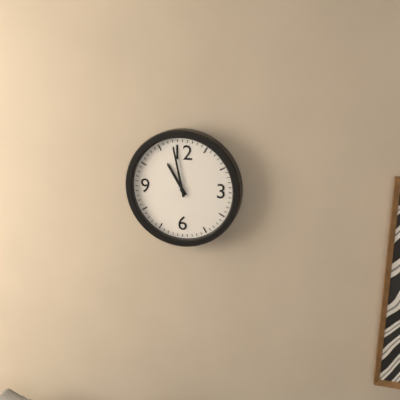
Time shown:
{"hour": 10, "minute": 58}
